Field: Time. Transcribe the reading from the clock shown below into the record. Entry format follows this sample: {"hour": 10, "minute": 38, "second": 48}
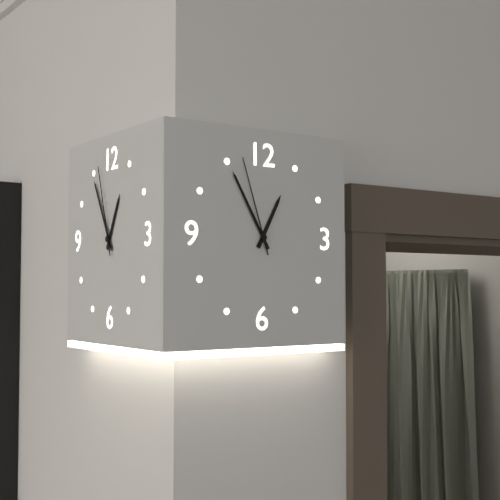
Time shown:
{"hour": 12, "minute": 55, "second": 57}
